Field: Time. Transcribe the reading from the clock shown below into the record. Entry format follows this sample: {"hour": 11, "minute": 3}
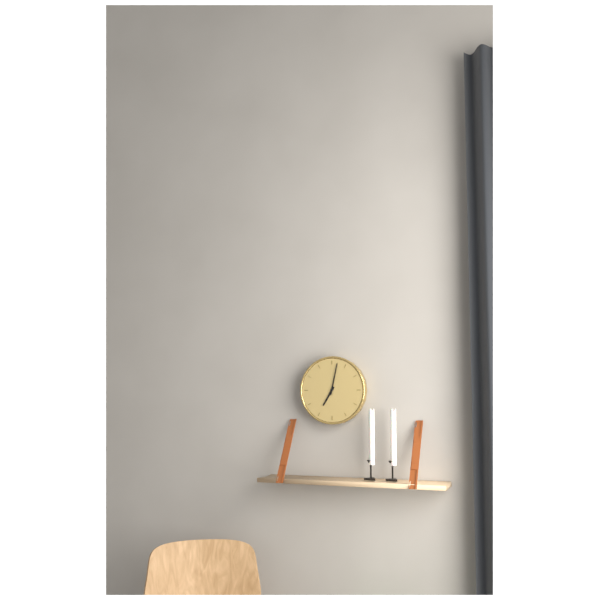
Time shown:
{"hour": 7, "minute": 2}
